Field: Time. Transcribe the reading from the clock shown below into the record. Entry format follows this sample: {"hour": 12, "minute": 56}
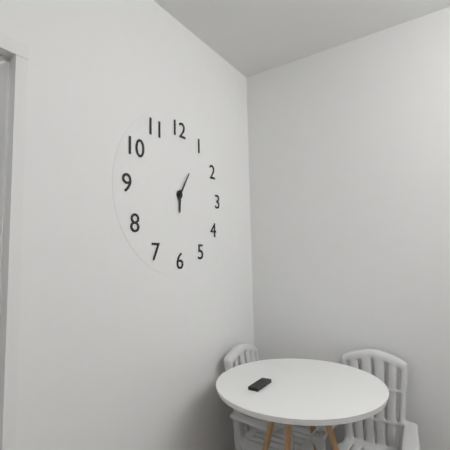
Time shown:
{"hour": 6, "minute": 5}
